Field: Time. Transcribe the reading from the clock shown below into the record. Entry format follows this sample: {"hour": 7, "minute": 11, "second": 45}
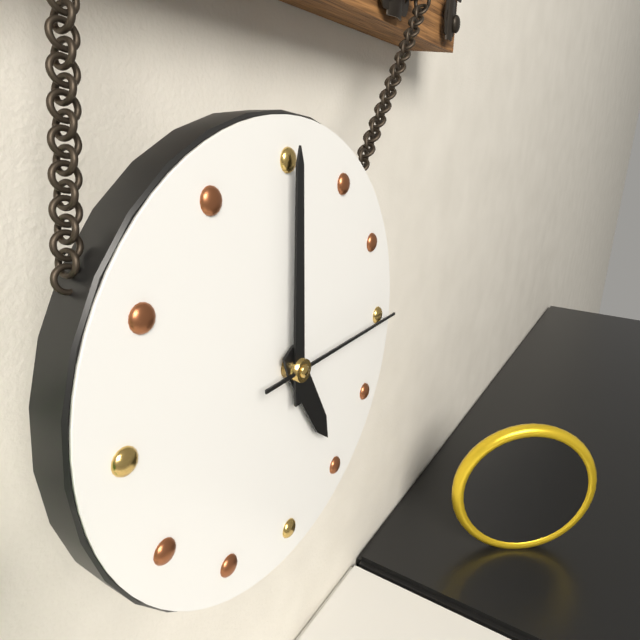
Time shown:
{"hour": 5, "minute": 0, "second": 15}
